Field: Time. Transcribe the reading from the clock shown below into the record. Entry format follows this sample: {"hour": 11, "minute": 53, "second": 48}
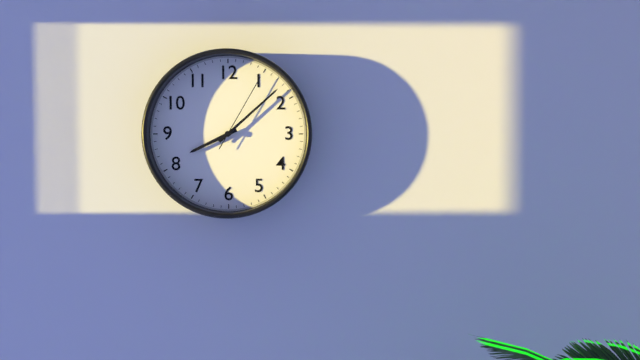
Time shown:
{"hour": 8, "minute": 8, "second": 5}
